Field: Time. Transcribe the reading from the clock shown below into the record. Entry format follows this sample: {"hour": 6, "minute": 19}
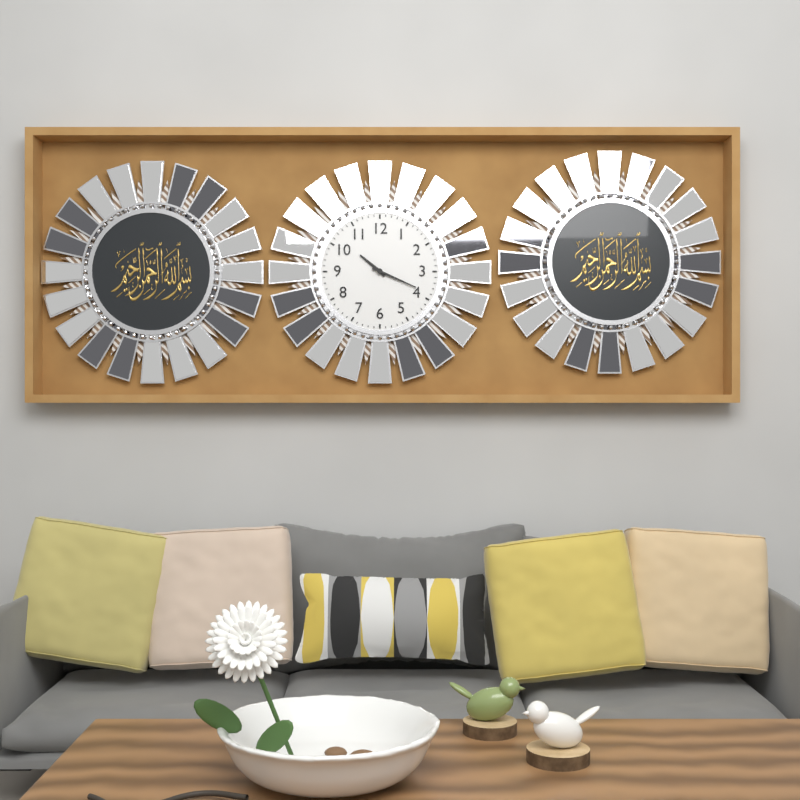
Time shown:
{"hour": 10, "minute": 19}
